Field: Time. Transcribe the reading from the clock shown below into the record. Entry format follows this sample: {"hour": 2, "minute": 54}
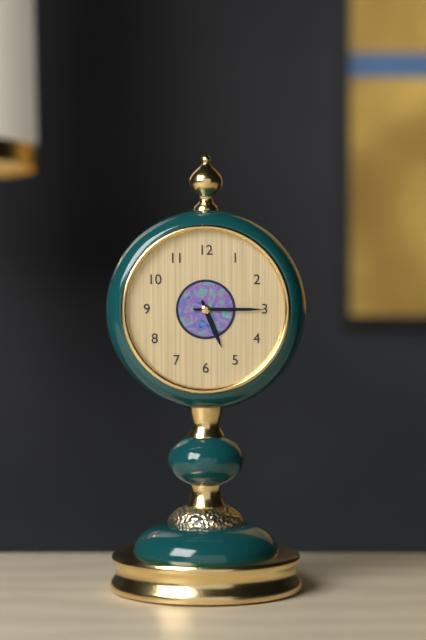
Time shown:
{"hour": 5, "minute": 15}
